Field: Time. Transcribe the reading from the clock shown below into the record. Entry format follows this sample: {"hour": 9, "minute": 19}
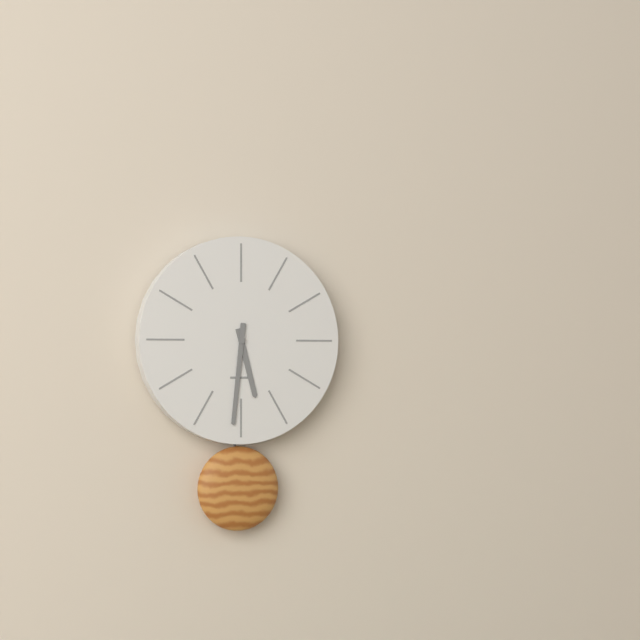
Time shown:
{"hour": 5, "minute": 31}
